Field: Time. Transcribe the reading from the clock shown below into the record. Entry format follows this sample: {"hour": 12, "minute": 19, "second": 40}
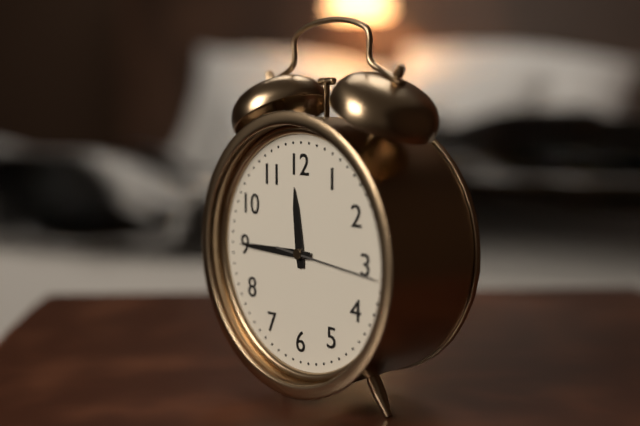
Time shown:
{"hour": 11, "minute": 45, "second": 16}
